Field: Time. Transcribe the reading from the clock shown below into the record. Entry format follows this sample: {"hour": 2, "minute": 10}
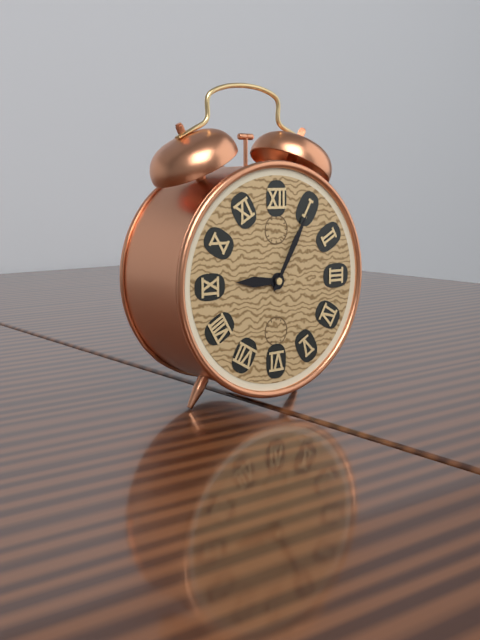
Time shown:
{"hour": 9, "minute": 5}
